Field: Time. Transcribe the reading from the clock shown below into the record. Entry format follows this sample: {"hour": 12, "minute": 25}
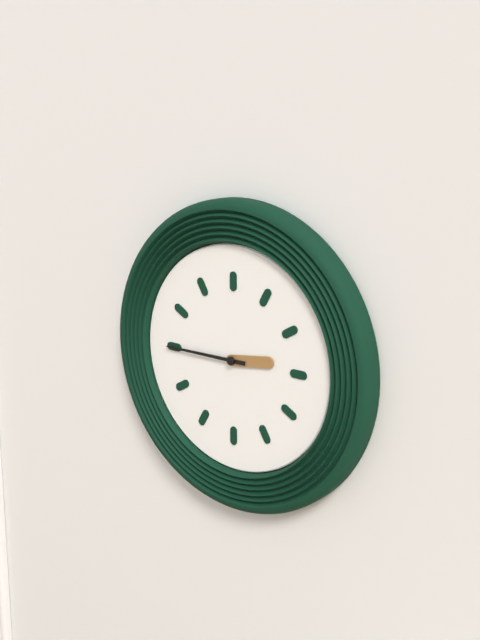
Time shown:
{"hour": 2, "minute": 45}
